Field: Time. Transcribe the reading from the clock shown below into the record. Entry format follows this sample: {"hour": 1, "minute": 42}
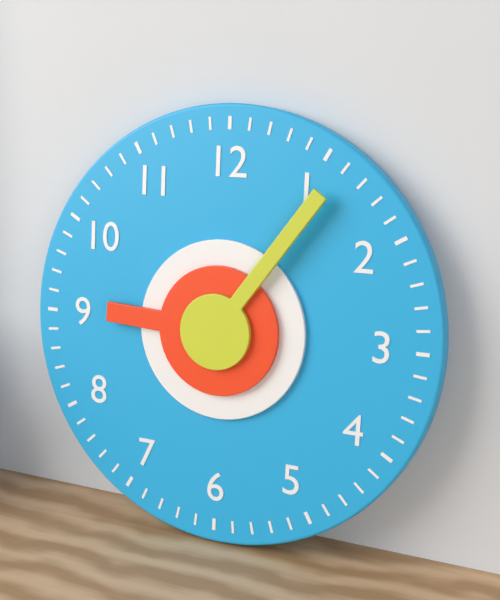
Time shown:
{"hour": 9, "minute": 6}
